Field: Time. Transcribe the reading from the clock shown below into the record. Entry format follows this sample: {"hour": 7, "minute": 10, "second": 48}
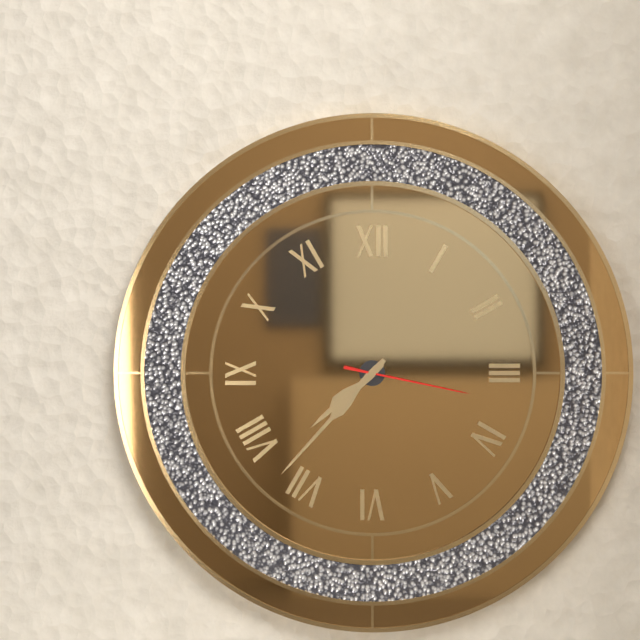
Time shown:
{"hour": 7, "minute": 37, "second": 17}
